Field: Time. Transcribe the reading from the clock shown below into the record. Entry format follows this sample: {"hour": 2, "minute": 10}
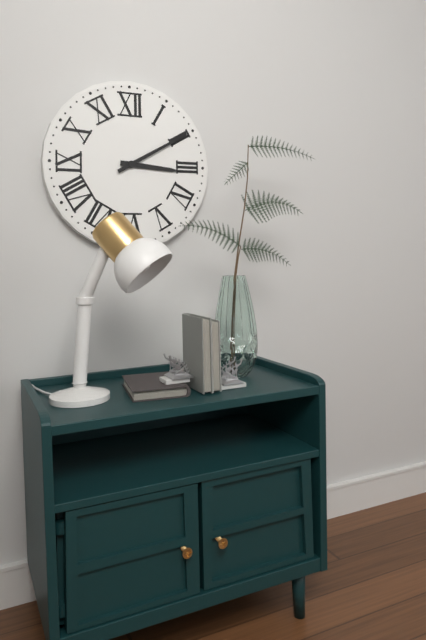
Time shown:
{"hour": 3, "minute": 10}
